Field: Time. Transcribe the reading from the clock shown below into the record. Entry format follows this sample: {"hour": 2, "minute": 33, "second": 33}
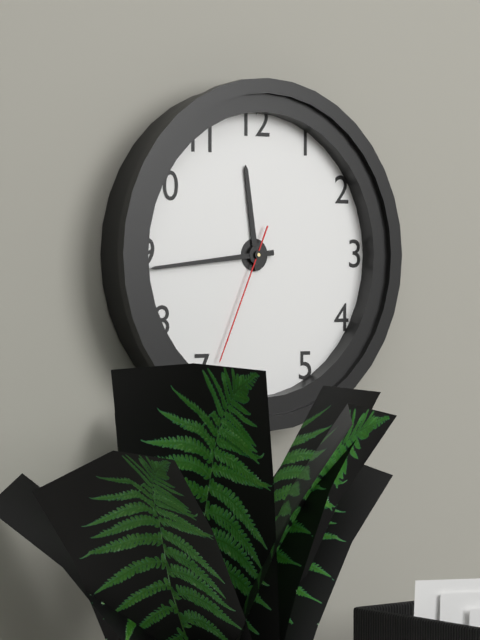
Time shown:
{"hour": 11, "minute": 44, "second": 34}
